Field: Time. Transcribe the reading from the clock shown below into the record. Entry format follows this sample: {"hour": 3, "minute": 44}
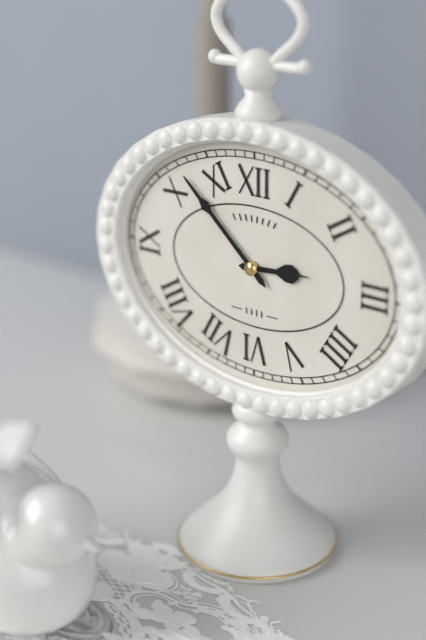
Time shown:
{"hour": 2, "minute": 52}
